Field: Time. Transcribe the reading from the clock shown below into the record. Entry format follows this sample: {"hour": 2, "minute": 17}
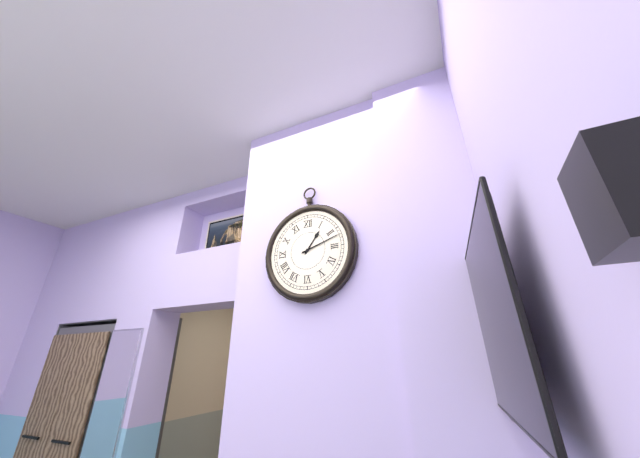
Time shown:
{"hour": 1, "minute": 12}
